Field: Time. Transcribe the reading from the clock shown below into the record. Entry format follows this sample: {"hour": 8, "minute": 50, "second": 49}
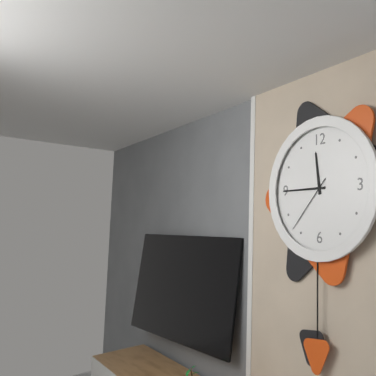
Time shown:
{"hour": 11, "minute": 45, "second": 37}
